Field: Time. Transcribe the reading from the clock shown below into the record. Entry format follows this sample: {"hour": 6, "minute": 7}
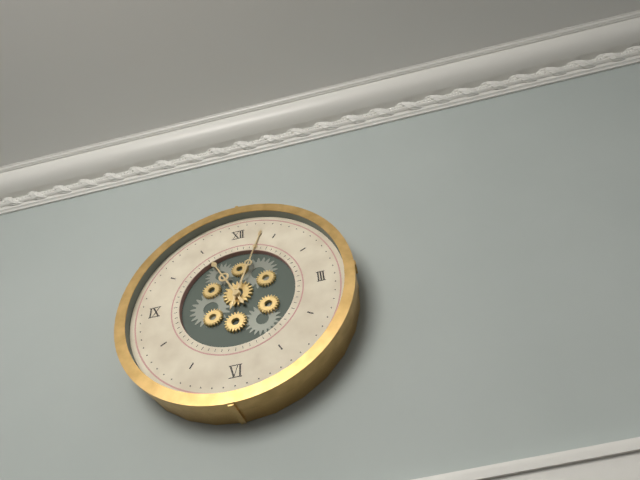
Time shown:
{"hour": 11, "minute": 3}
